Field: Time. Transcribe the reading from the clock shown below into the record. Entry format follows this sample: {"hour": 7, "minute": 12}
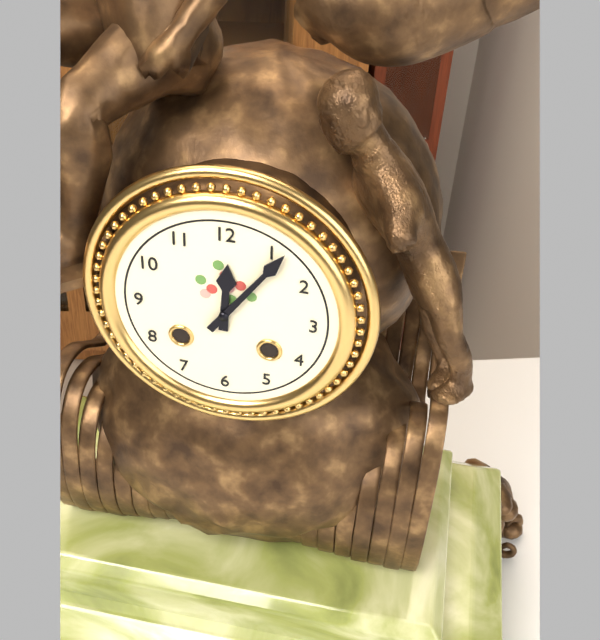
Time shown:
{"hour": 12, "minute": 6}
